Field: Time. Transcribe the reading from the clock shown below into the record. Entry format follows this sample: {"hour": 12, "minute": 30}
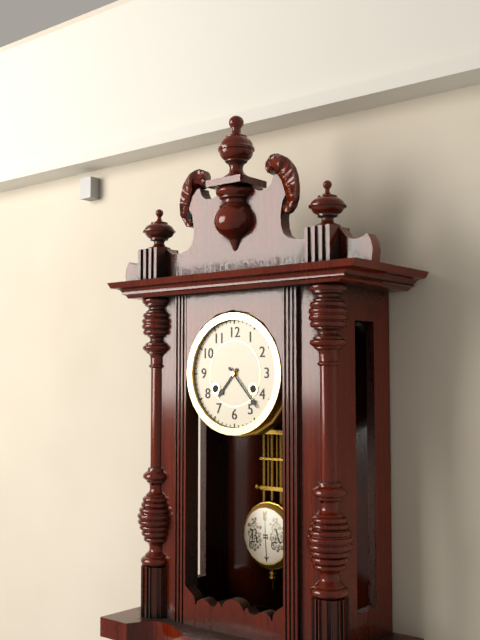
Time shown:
{"hour": 7, "minute": 23}
